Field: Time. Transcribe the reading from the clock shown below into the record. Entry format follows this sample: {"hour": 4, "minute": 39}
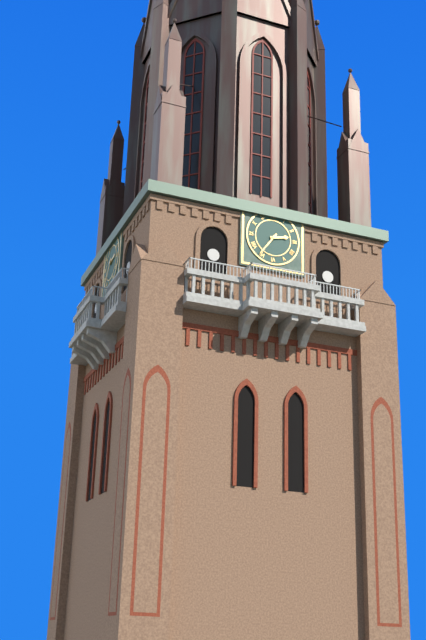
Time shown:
{"hour": 2, "minute": 36}
